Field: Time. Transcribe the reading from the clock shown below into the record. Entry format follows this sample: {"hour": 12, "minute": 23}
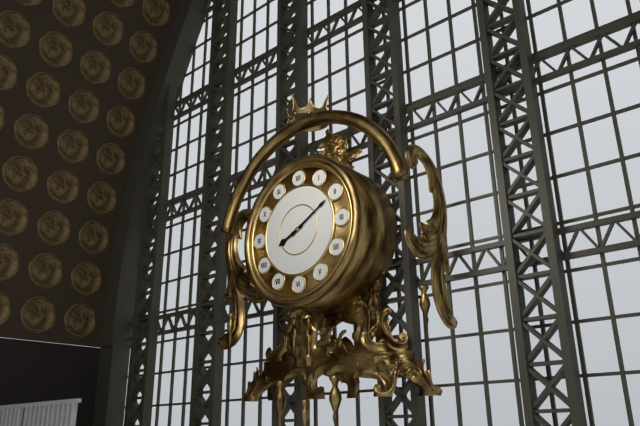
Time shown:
{"hour": 8, "minute": 10}
